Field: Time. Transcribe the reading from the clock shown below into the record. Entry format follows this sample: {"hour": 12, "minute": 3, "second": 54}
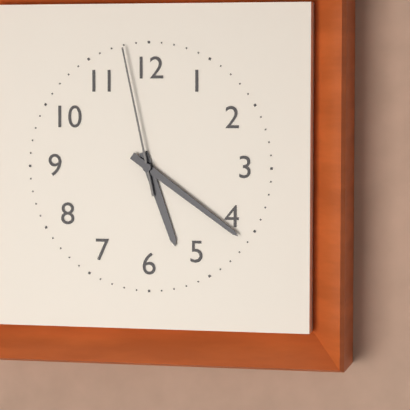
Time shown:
{"hour": 5, "minute": 21, "second": 58}
